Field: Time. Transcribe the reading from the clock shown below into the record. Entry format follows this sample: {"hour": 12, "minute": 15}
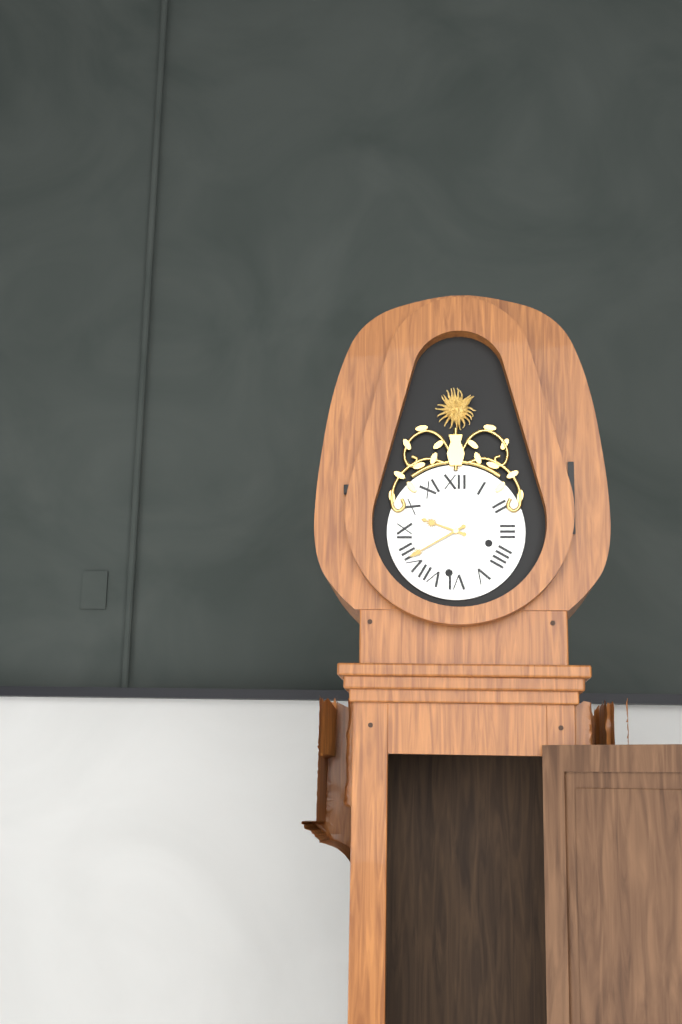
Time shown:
{"hour": 9, "minute": 40}
